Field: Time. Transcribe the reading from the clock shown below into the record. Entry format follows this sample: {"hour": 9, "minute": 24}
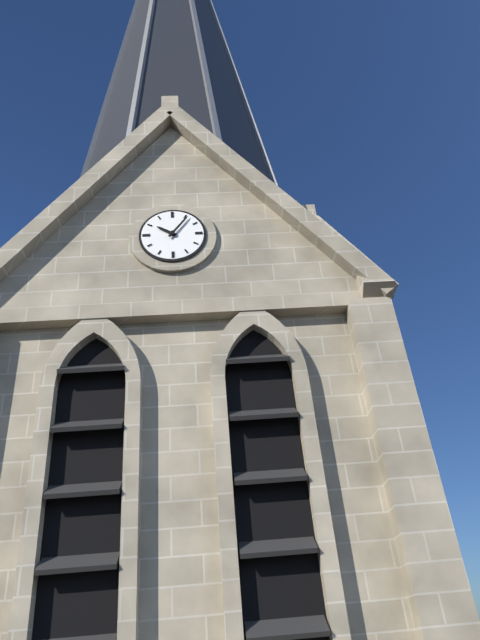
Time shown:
{"hour": 10, "minute": 6}
